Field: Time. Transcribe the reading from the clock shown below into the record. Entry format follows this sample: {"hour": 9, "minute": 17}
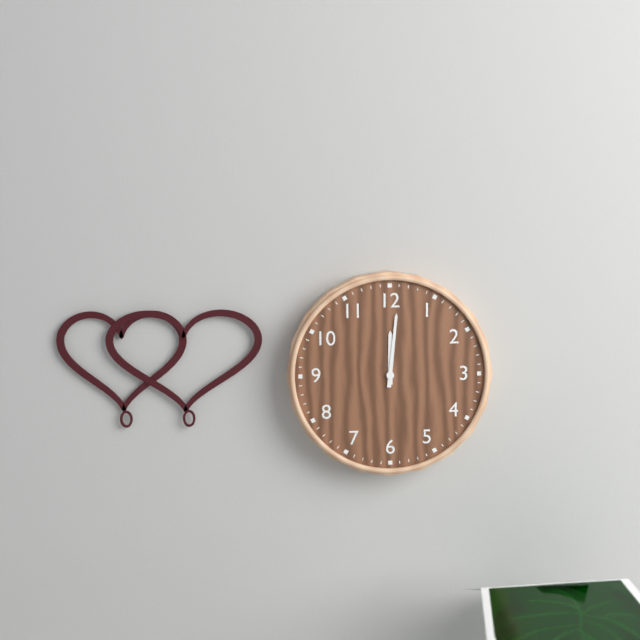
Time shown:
{"hour": 12, "minute": 1}
